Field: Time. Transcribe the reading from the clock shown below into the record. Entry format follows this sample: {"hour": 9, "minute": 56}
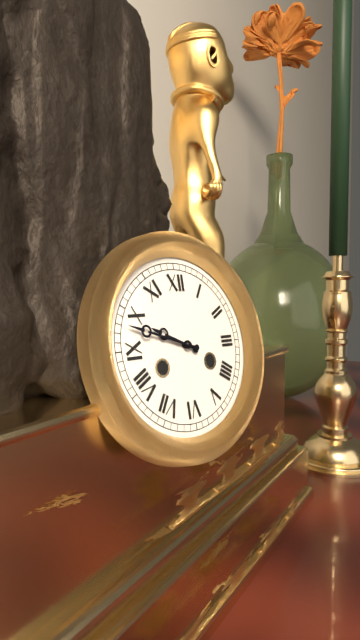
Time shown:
{"hour": 9, "minute": 48}
